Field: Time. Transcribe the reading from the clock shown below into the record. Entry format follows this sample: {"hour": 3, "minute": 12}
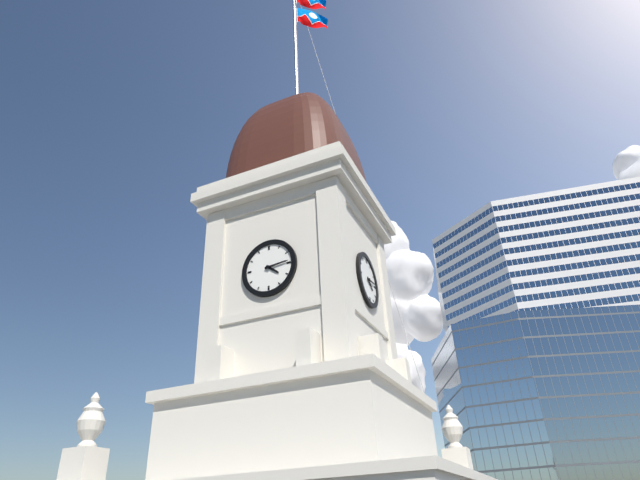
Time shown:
{"hour": 4, "minute": 14}
